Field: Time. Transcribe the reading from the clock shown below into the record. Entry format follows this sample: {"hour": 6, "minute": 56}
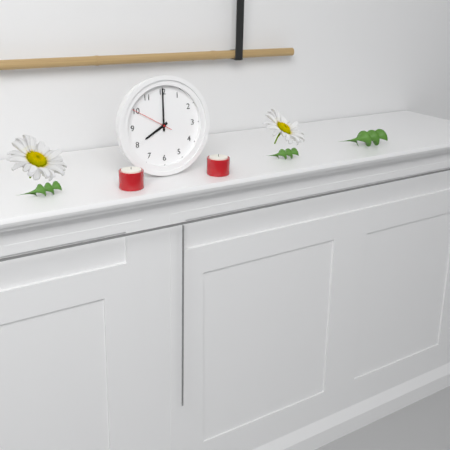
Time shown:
{"hour": 8, "minute": 0}
